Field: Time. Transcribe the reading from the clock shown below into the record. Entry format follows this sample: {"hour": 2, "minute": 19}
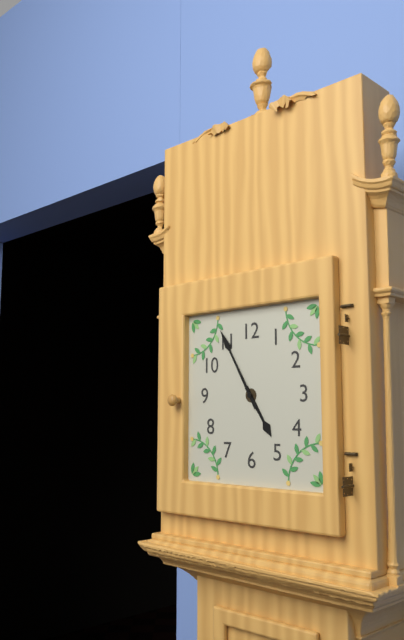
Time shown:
{"hour": 4, "minute": 55}
